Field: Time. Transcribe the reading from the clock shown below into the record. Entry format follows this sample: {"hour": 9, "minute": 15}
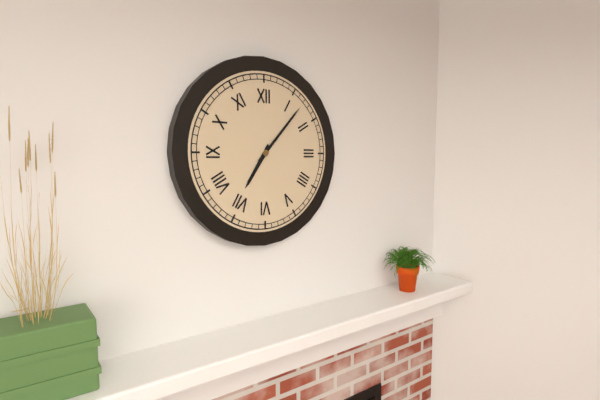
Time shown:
{"hour": 7, "minute": 7}
